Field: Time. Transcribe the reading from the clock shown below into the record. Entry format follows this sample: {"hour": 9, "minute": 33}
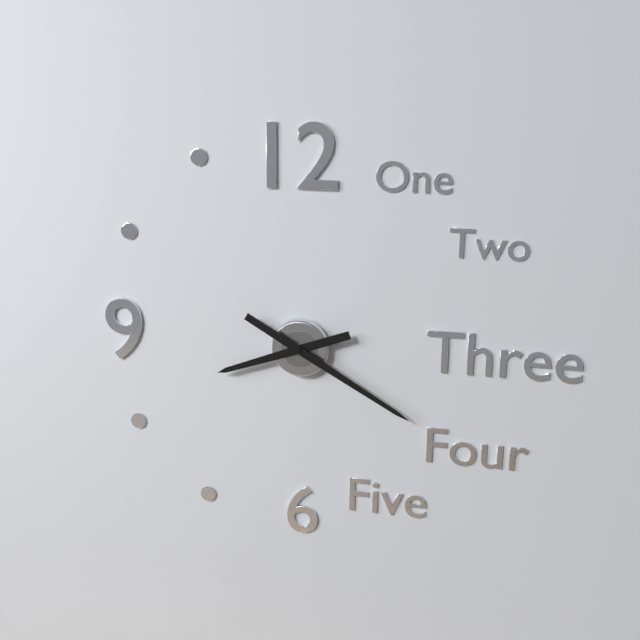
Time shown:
{"hour": 8, "minute": 20}
